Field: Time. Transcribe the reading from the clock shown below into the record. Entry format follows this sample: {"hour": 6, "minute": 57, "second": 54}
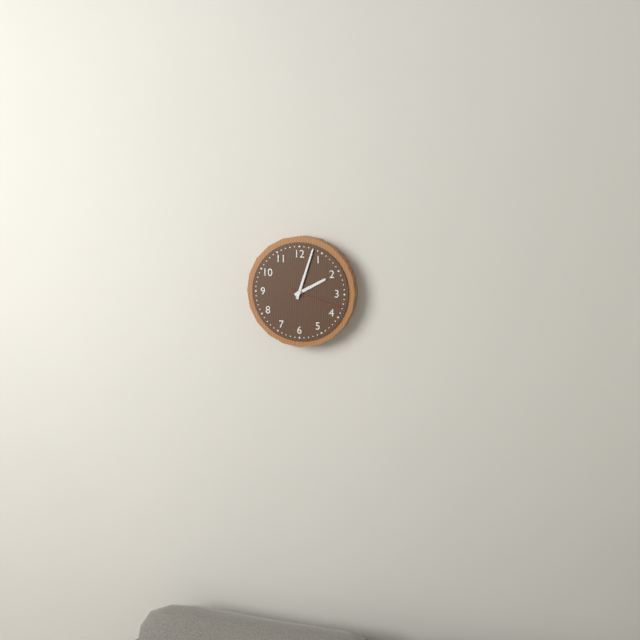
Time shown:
{"hour": 2, "minute": 3, "second": 18}
